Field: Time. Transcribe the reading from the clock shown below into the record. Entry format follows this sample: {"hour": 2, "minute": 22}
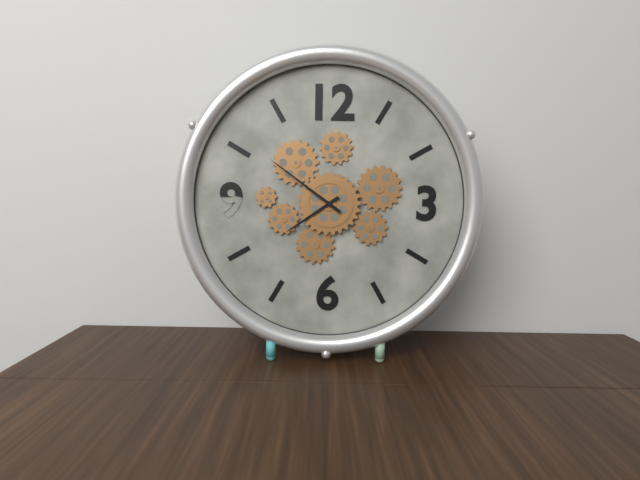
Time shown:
{"hour": 7, "minute": 51}
